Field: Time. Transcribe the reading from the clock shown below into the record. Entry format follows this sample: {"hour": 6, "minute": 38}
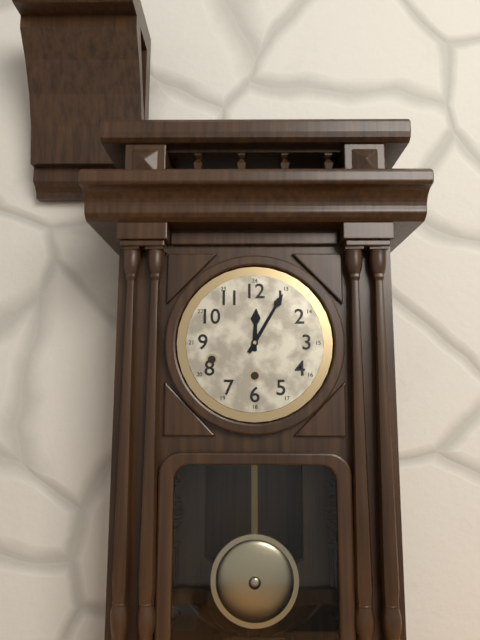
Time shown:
{"hour": 12, "minute": 5}
